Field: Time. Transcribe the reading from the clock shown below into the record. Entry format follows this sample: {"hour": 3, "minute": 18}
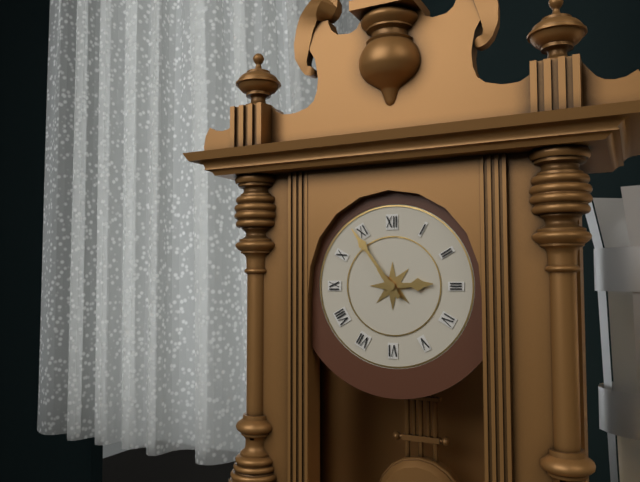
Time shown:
{"hour": 2, "minute": 54}
